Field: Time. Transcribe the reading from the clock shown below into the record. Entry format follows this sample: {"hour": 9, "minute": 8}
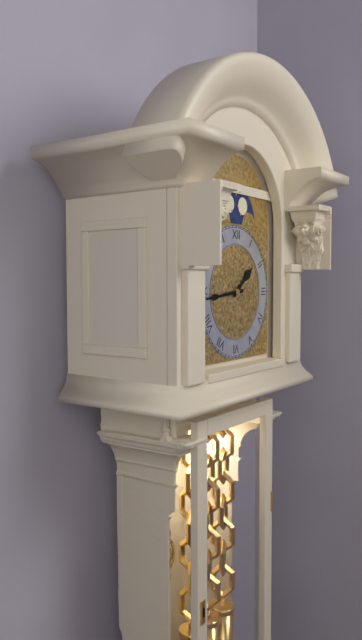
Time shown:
{"hour": 1, "minute": 44}
